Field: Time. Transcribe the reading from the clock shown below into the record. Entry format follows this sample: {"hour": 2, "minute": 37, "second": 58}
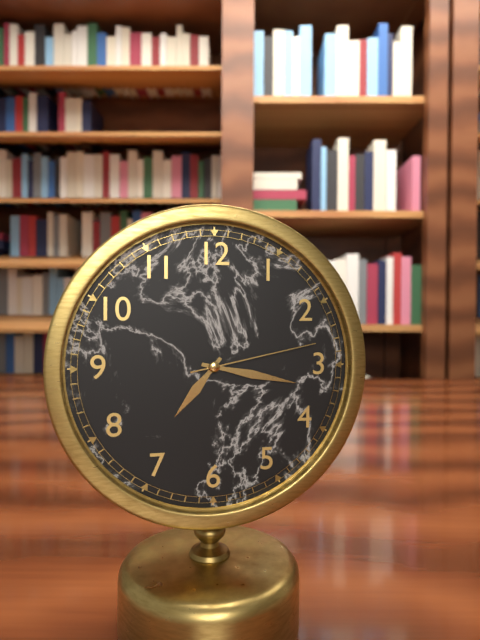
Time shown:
{"hour": 7, "minute": 17, "second": 13}
